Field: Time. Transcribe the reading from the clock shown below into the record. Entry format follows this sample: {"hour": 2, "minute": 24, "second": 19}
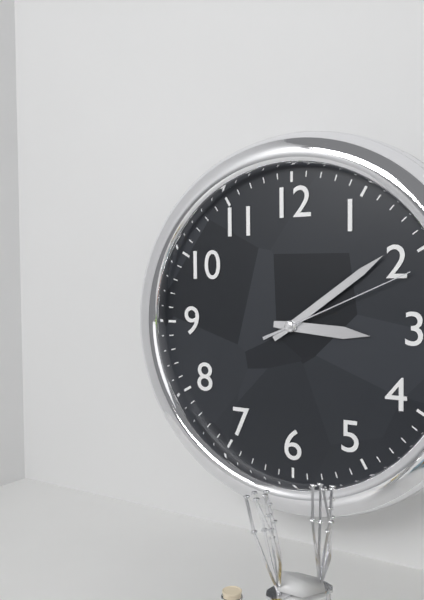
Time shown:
{"hour": 3, "minute": 9, "second": 11}
